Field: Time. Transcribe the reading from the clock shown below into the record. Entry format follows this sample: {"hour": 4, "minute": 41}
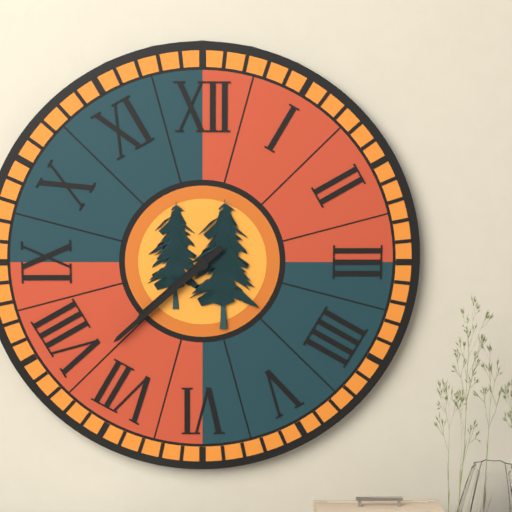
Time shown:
{"hour": 7, "minute": 38}
